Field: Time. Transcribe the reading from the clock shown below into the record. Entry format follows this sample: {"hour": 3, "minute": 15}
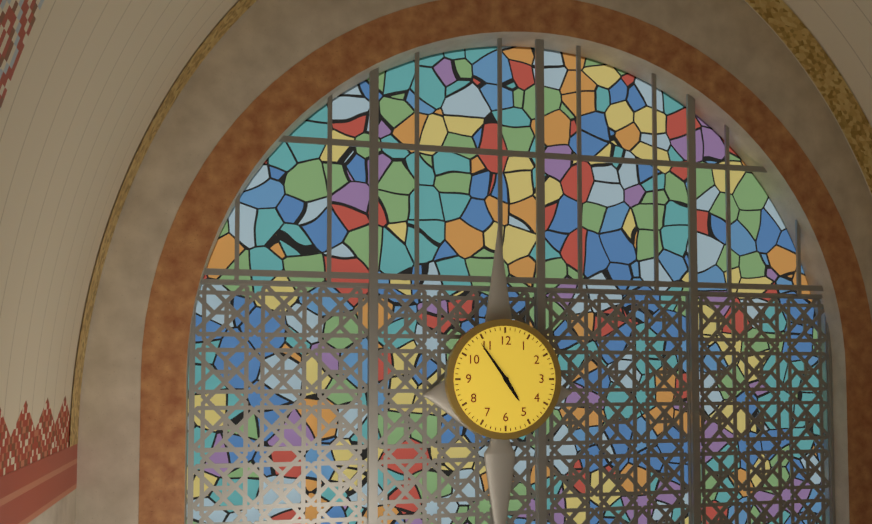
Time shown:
{"hour": 4, "minute": 54}
